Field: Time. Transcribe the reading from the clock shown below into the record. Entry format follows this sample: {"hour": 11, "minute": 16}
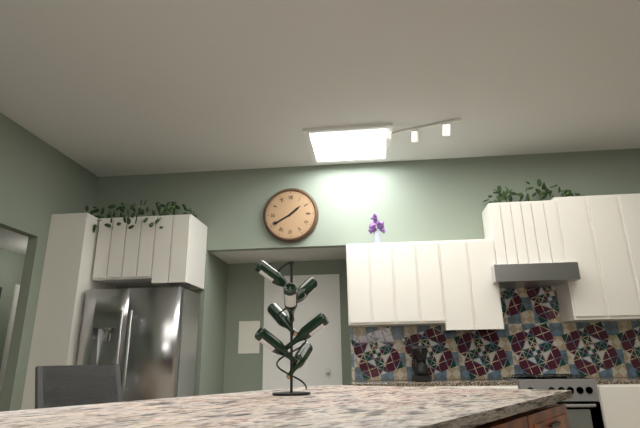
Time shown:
{"hour": 1, "minute": 40}
